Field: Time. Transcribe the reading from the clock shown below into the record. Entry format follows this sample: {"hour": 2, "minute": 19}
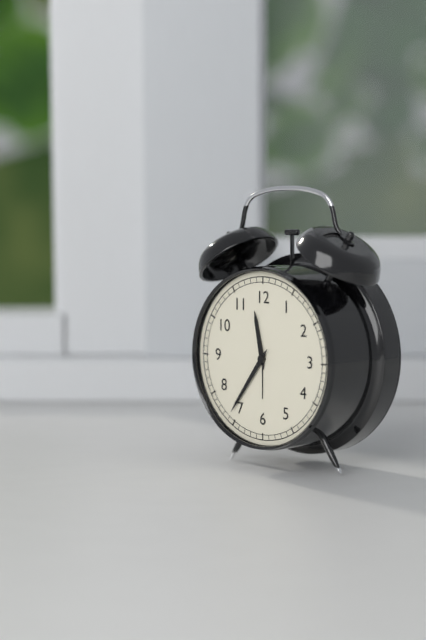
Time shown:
{"hour": 11, "minute": 36}
